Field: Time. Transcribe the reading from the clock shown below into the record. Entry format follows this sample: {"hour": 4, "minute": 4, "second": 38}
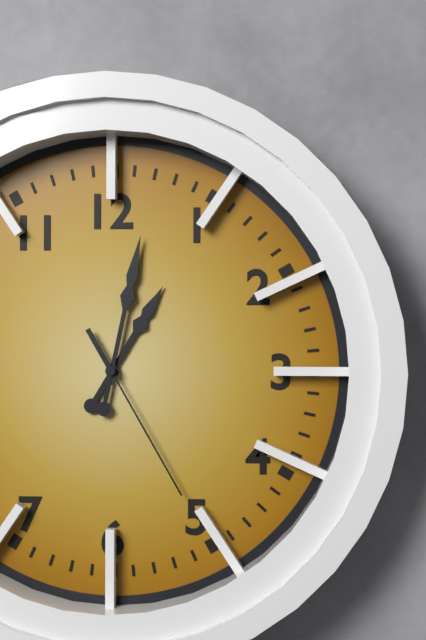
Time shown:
{"hour": 1, "minute": 2, "second": 25}
